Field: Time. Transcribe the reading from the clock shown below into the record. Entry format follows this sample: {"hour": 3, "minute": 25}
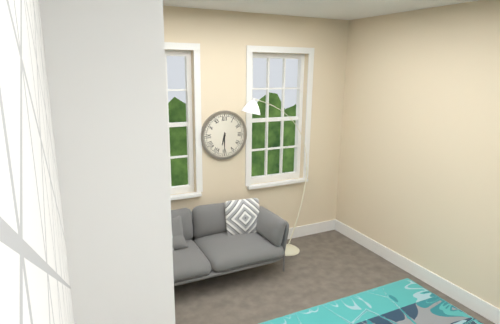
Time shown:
{"hour": 6, "minute": 30}
